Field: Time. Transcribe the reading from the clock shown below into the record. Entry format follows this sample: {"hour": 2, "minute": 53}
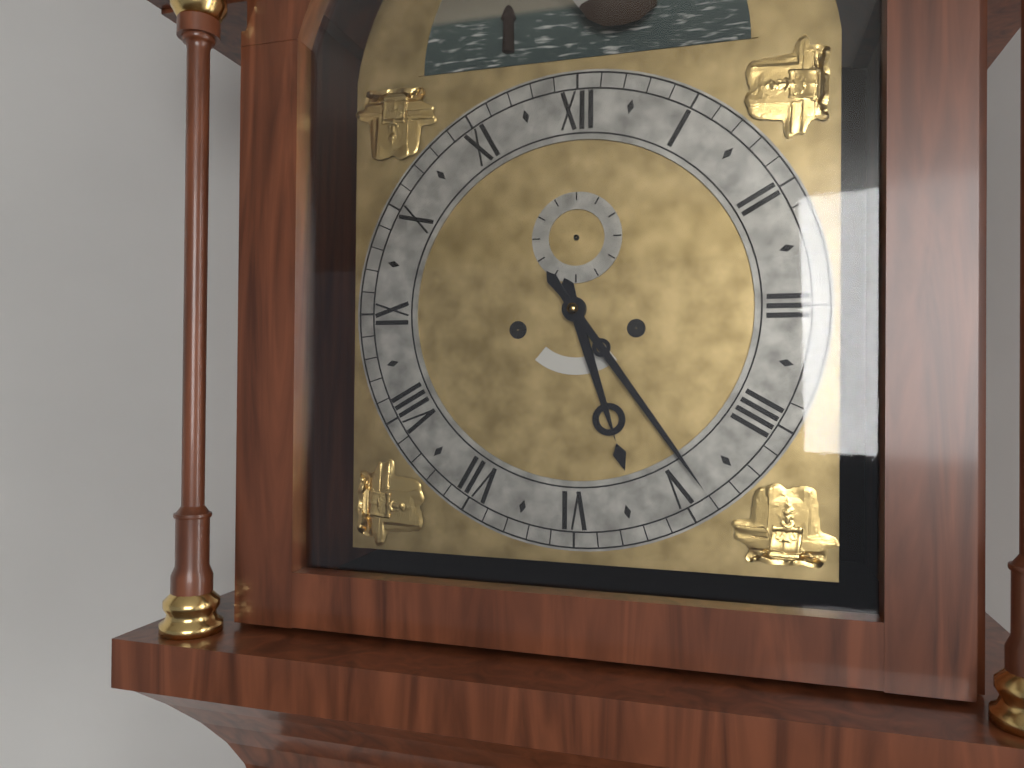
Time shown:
{"hour": 5, "minute": 24}
